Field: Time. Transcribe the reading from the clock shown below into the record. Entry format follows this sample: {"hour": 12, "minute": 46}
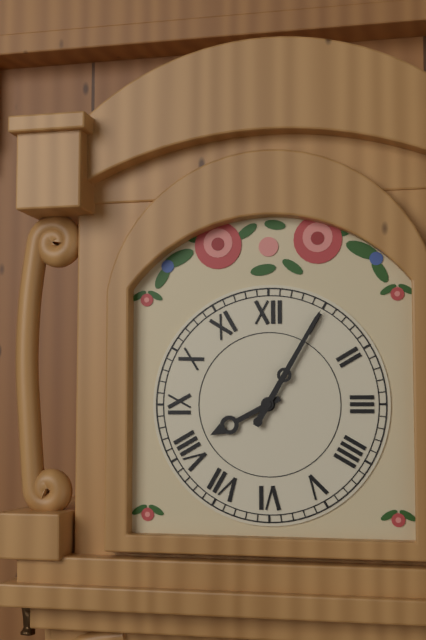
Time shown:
{"hour": 8, "minute": 5}
